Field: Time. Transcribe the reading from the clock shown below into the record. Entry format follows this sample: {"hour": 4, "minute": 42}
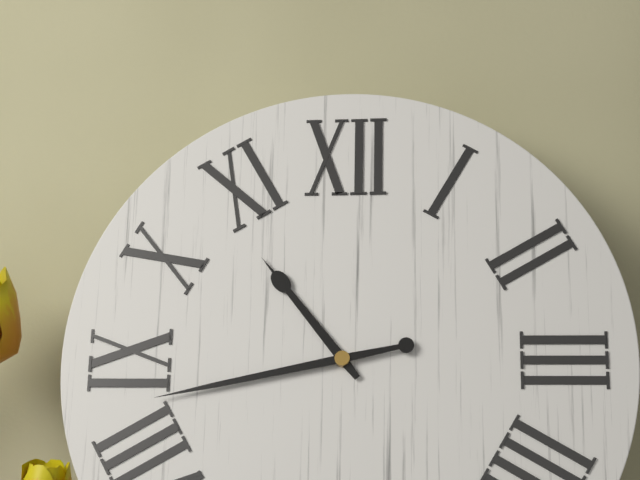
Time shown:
{"hour": 10, "minute": 43}
